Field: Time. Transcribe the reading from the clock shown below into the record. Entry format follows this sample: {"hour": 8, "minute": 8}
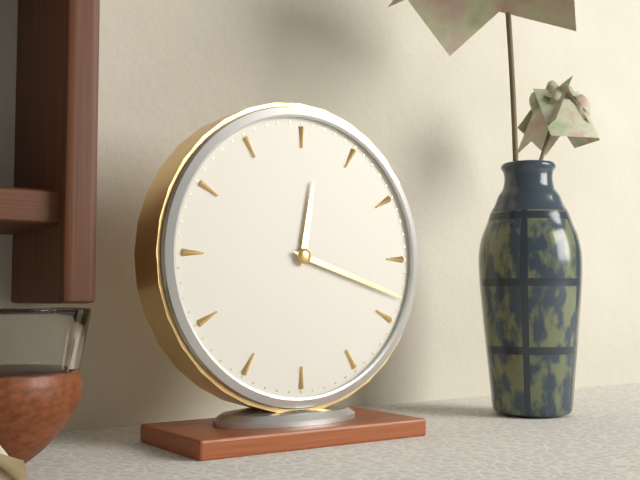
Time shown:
{"hour": 12, "minute": 18}
